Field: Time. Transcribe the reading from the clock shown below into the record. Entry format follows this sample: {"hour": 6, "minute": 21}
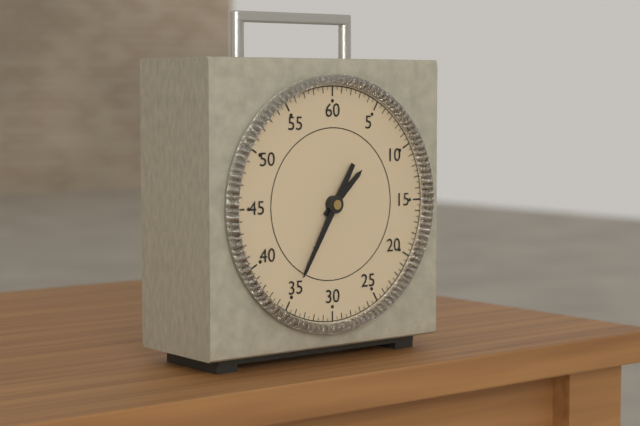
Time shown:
{"hour": 1, "minute": 35}
